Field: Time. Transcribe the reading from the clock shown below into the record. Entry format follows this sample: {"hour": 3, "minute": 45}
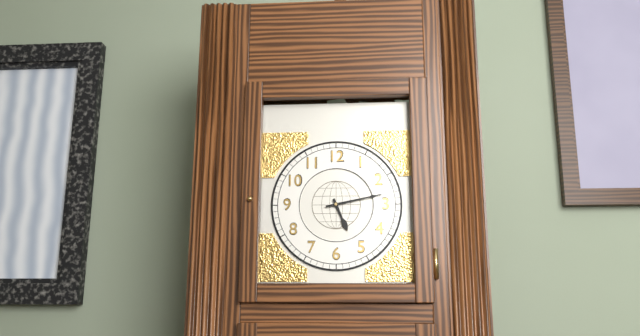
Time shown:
{"hour": 5, "minute": 13}
